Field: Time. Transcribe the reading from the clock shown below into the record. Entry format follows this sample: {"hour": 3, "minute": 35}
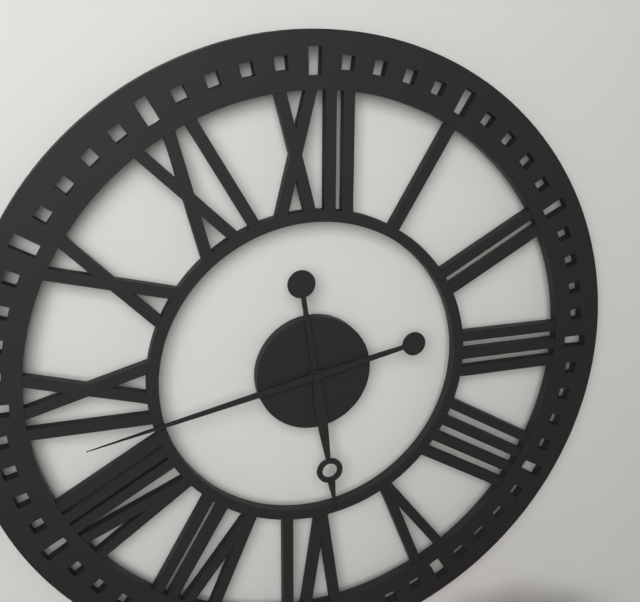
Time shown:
{"hour": 5, "minute": 43}
